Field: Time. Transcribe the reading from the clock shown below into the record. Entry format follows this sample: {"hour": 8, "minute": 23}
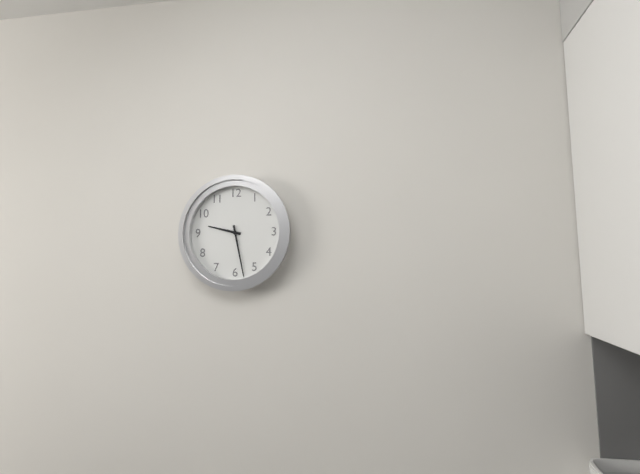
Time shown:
{"hour": 9, "minute": 28}
